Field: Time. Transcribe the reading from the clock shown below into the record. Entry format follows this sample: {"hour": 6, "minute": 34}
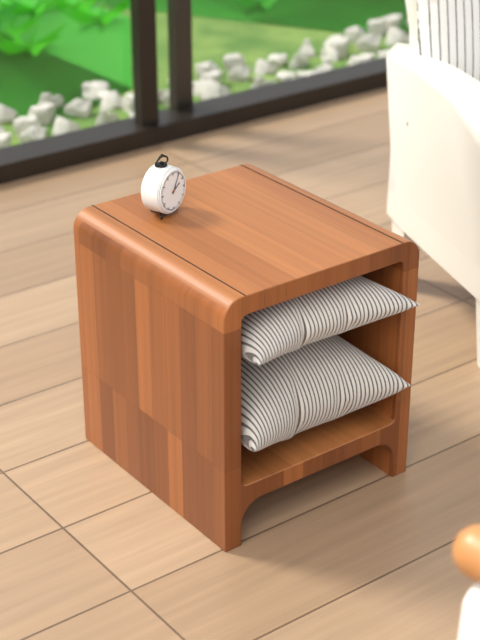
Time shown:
{"hour": 2, "minute": 5}
